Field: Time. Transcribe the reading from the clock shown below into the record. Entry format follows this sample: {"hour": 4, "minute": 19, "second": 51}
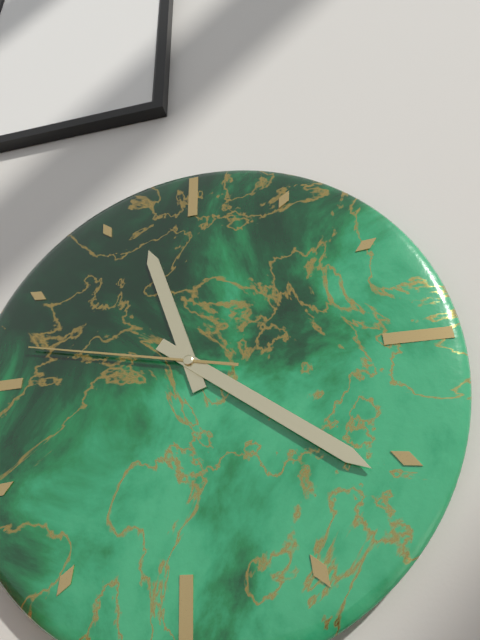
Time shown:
{"hour": 11, "minute": 21, "second": 47}
